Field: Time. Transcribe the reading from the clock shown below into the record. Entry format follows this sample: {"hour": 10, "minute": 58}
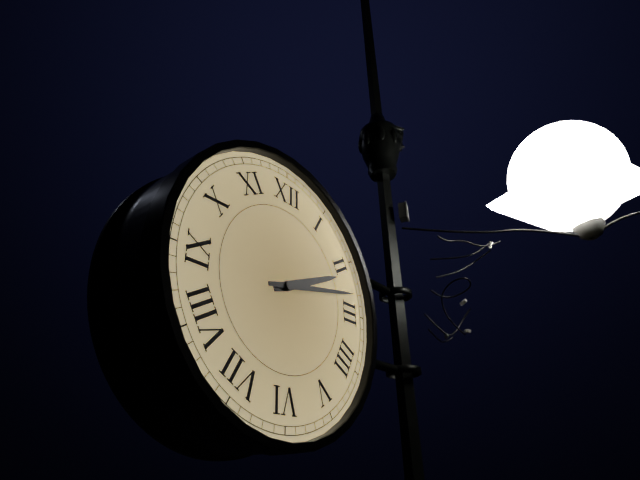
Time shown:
{"hour": 2, "minute": 13}
